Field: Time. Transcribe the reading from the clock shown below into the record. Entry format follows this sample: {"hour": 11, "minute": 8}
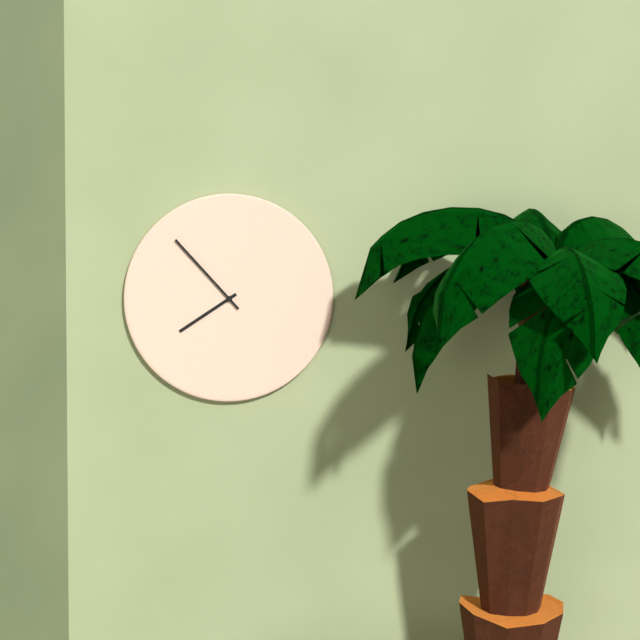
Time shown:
{"hour": 7, "minute": 53}
